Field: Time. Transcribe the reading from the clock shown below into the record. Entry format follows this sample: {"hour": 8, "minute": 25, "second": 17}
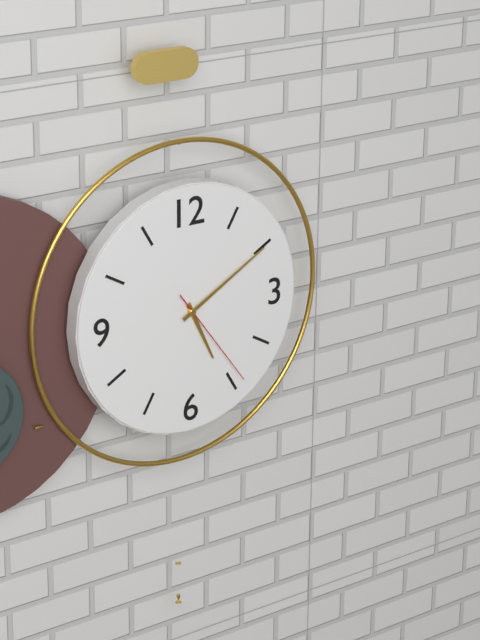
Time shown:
{"hour": 5, "minute": 10, "second": 24}
